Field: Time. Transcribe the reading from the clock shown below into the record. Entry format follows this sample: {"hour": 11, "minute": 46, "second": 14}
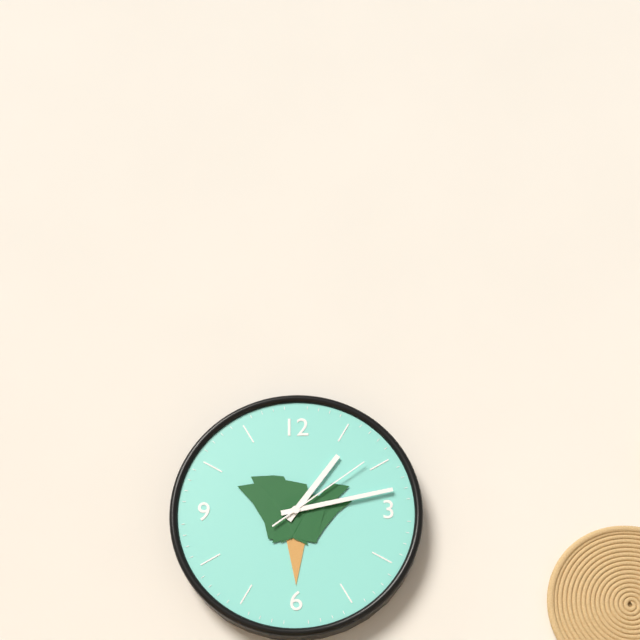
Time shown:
{"hour": 1, "minute": 13, "second": 9}
